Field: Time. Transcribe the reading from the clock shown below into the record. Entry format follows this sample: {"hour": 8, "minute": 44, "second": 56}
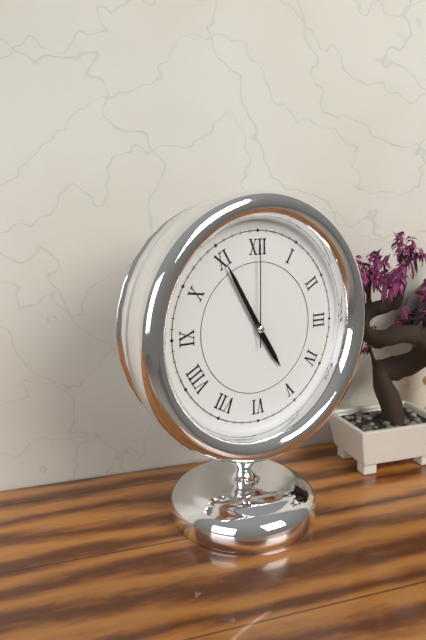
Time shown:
{"hour": 4, "minute": 55, "second": 0}
